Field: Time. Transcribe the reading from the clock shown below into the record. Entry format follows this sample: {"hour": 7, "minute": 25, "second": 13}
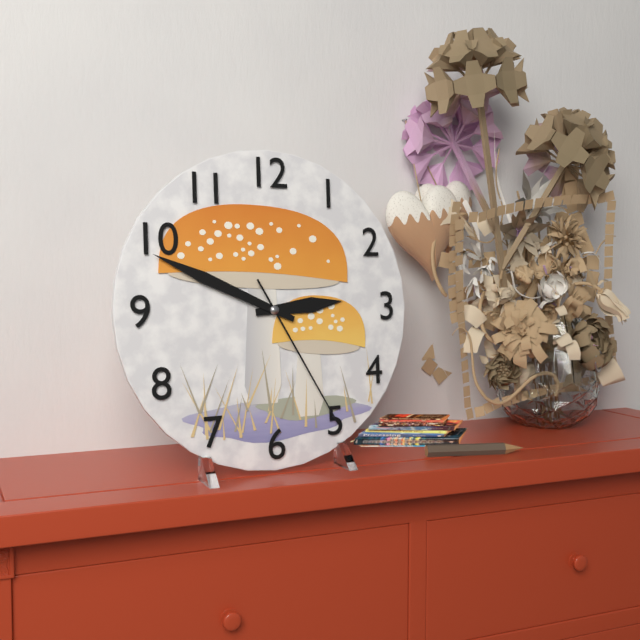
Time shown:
{"hour": 2, "minute": 49, "second": 25}
